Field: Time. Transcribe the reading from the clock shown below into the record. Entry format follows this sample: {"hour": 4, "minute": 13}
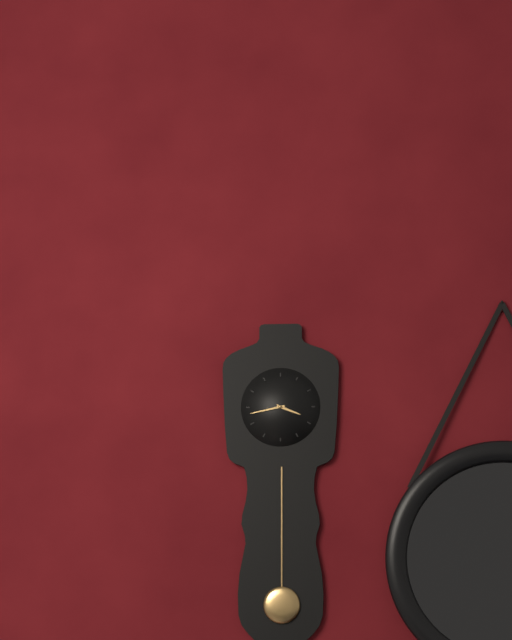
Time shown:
{"hour": 3, "minute": 43}
